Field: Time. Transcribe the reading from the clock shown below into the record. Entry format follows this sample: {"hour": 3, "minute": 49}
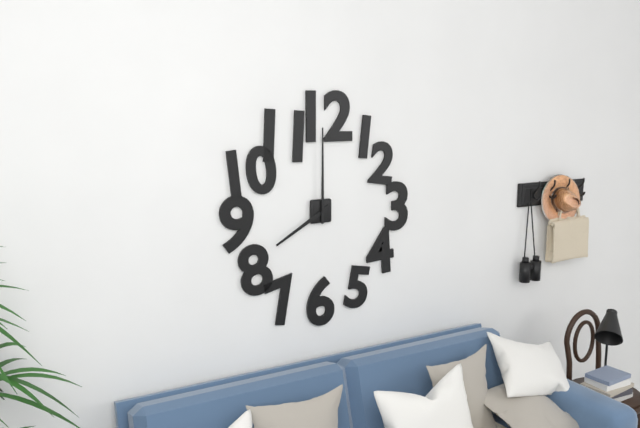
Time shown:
{"hour": 8, "minute": 0}
